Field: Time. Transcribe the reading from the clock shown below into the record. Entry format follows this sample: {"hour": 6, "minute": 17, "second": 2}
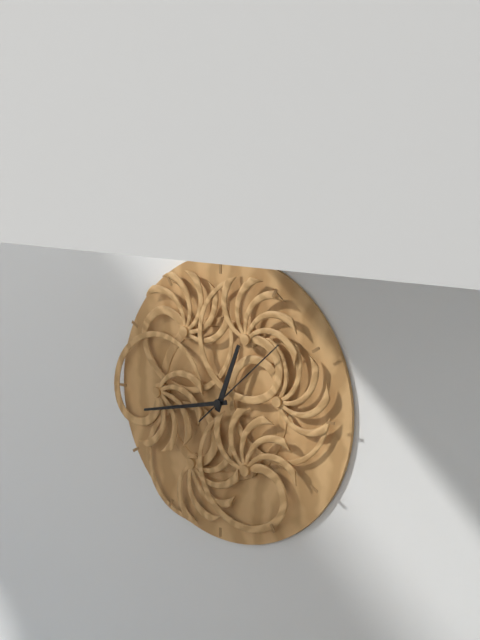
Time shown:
{"hour": 12, "minute": 43, "second": 8}
